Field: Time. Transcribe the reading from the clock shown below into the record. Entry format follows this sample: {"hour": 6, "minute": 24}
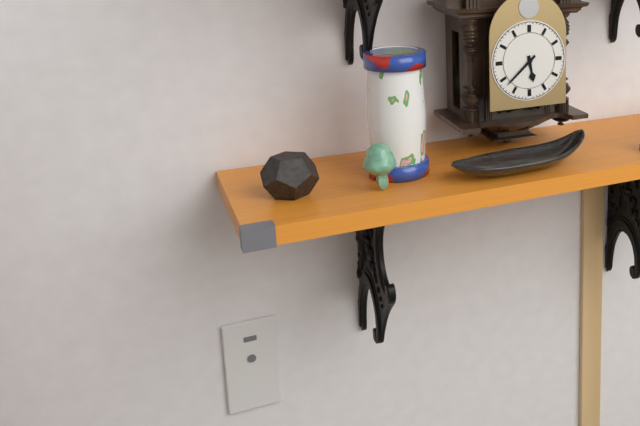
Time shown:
{"hour": 5, "minute": 38}
